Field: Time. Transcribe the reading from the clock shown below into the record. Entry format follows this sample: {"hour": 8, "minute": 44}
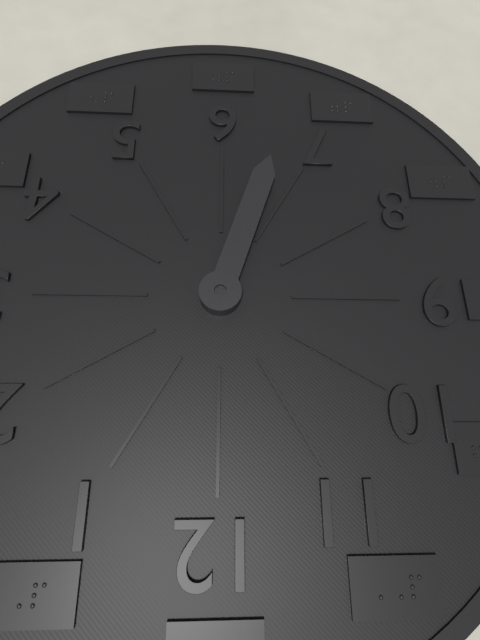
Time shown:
{"hour": 6, "minute": 33}
